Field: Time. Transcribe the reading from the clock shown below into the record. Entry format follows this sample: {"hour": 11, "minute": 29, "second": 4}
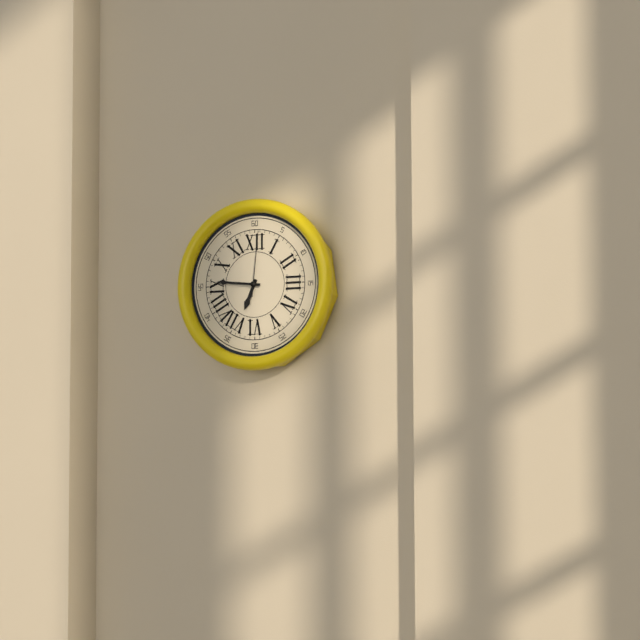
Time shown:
{"hour": 6, "minute": 46, "second": 1}
